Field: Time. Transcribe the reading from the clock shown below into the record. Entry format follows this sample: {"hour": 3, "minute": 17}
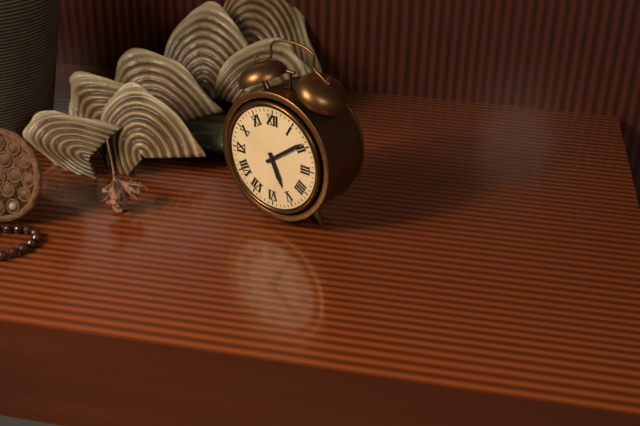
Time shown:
{"hour": 5, "minute": 9}
